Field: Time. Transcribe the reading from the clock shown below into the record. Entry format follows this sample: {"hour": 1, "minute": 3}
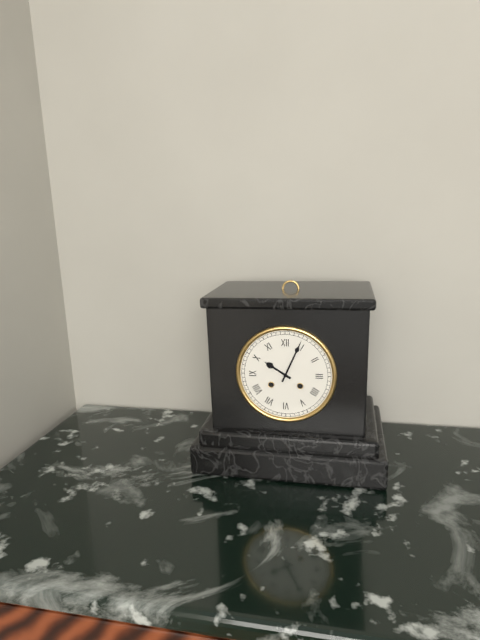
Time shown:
{"hour": 10, "minute": 4}
